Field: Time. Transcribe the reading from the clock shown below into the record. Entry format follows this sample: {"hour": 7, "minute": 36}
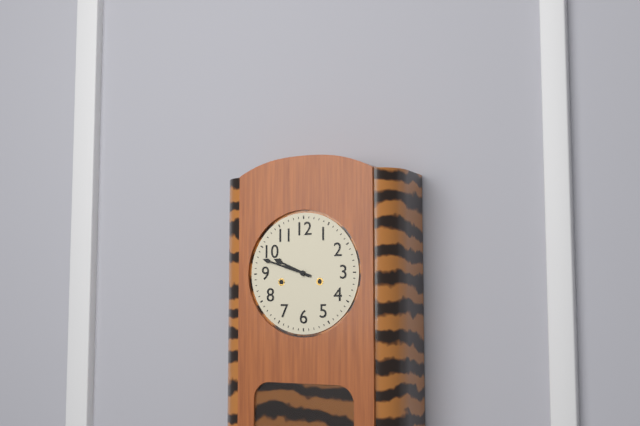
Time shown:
{"hour": 9, "minute": 48}
